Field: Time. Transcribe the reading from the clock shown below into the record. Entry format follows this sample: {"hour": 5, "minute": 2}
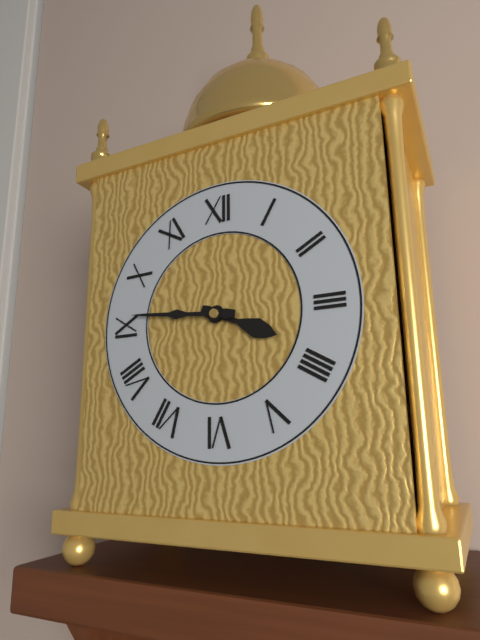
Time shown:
{"hour": 3, "minute": 46}
